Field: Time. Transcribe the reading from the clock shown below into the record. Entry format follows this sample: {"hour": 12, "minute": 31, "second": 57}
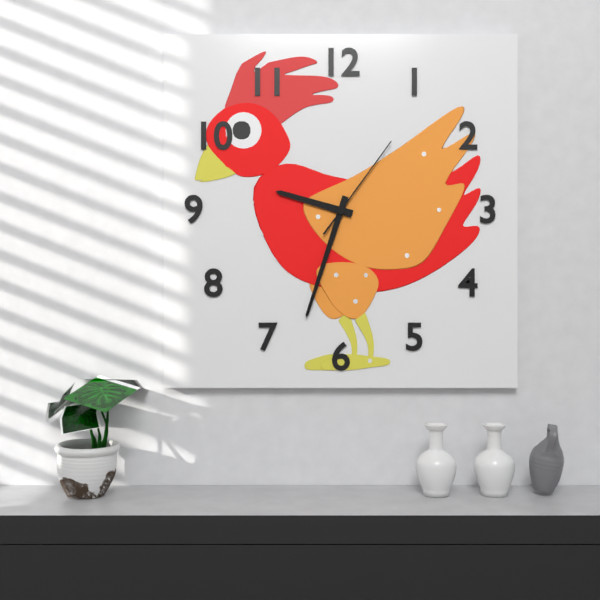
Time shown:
{"hour": 9, "minute": 33, "second": 6}
